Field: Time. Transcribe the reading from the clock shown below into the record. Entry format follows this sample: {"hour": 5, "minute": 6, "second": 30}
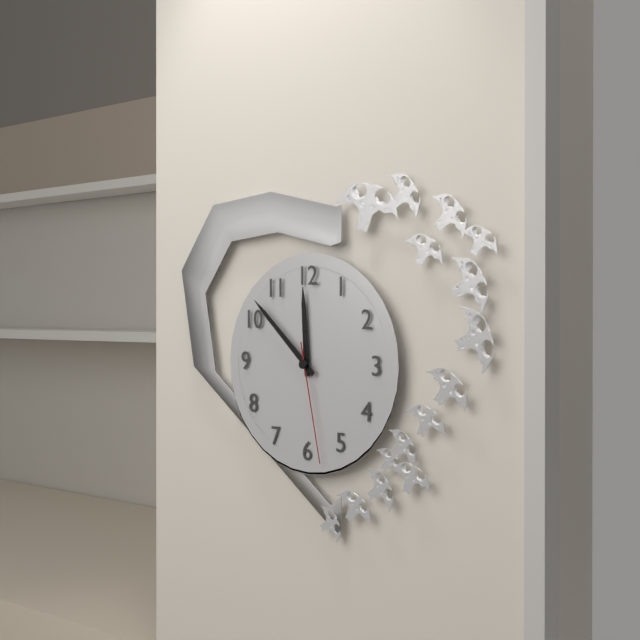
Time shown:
{"hour": 11, "minute": 52, "second": 28}
